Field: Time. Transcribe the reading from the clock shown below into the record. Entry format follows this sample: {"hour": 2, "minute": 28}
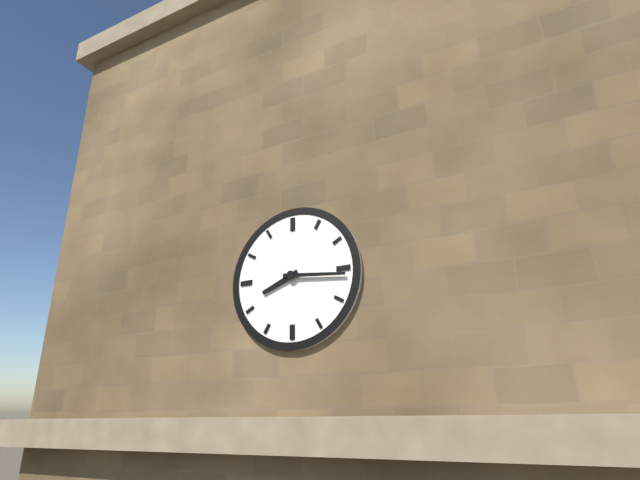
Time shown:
{"hour": 8, "minute": 16}
